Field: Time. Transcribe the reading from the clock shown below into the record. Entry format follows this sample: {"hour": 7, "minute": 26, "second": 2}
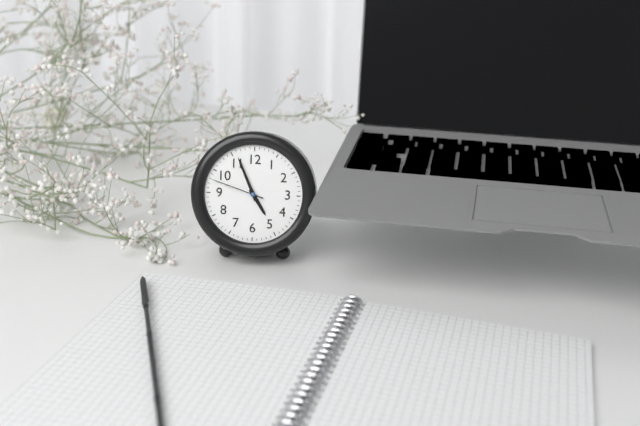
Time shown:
{"hour": 4, "minute": 56, "second": 48}
